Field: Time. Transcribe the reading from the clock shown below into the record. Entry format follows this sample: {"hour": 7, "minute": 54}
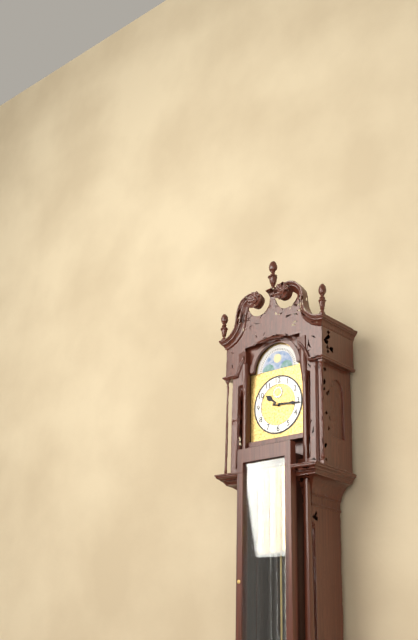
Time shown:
{"hour": 10, "minute": 16}
